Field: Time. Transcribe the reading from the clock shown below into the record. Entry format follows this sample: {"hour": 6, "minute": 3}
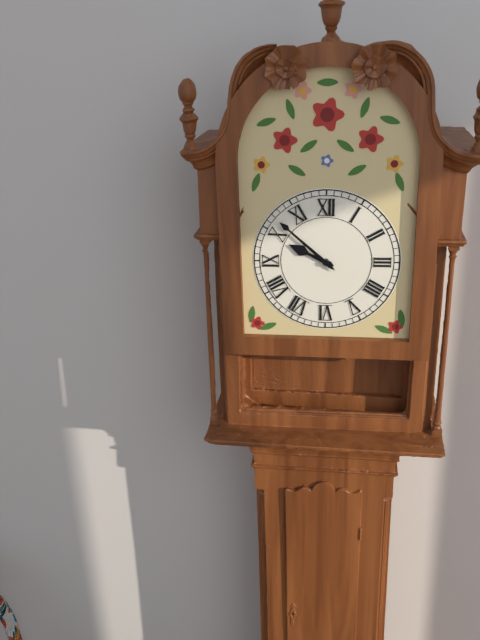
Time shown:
{"hour": 9, "minute": 52}
